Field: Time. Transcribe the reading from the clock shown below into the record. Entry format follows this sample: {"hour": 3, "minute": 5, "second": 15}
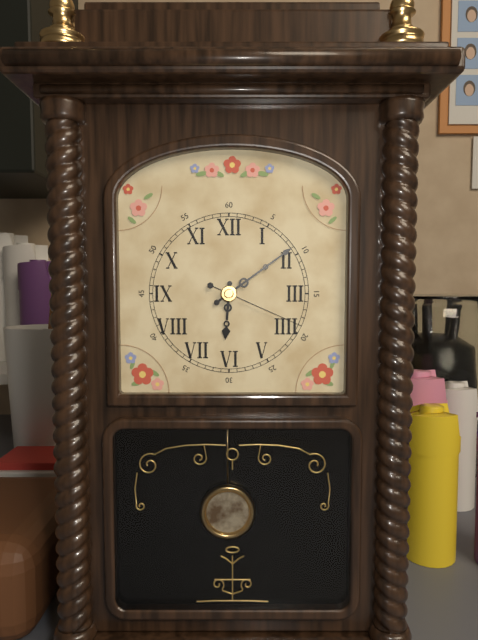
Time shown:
{"hour": 6, "minute": 9, "second": 19}
